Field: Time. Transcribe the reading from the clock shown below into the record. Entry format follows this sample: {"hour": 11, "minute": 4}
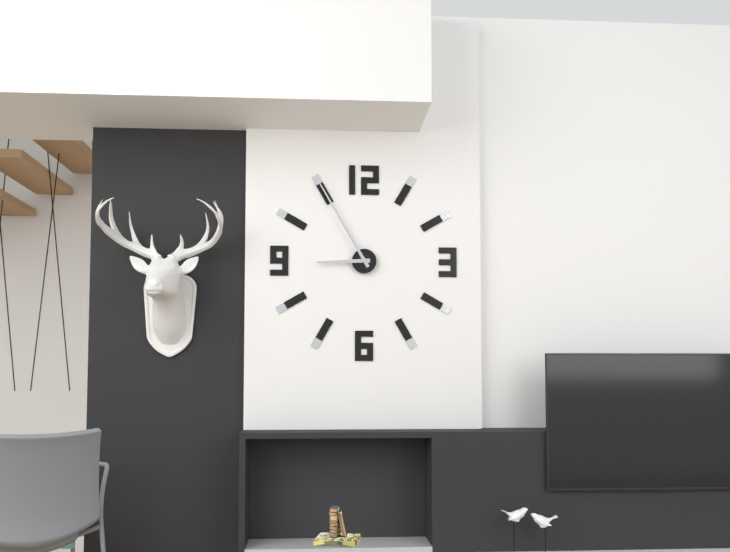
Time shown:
{"hour": 8, "minute": 55}
